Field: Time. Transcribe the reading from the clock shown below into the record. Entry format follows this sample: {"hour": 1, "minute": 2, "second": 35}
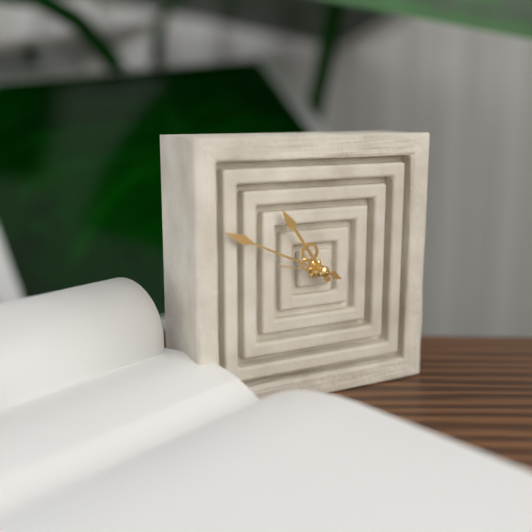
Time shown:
{"hour": 10, "minute": 49, "second": 47}
